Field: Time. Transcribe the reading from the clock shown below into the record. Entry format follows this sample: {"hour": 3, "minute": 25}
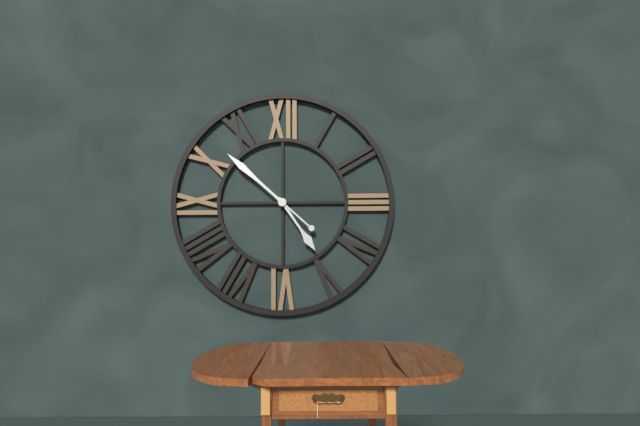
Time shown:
{"hour": 4, "minute": 52}
